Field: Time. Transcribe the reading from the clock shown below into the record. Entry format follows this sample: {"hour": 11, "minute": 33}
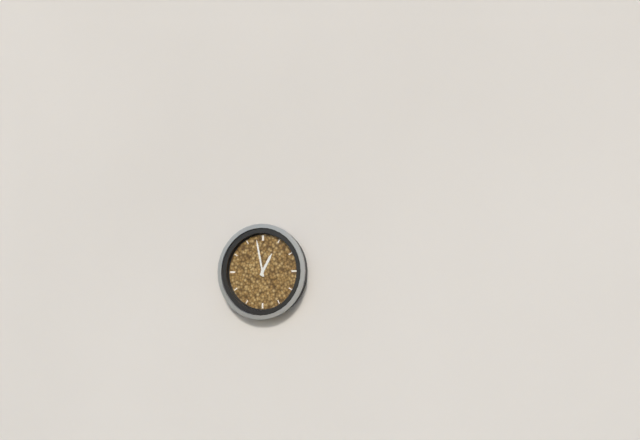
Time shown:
{"hour": 12, "minute": 58}
